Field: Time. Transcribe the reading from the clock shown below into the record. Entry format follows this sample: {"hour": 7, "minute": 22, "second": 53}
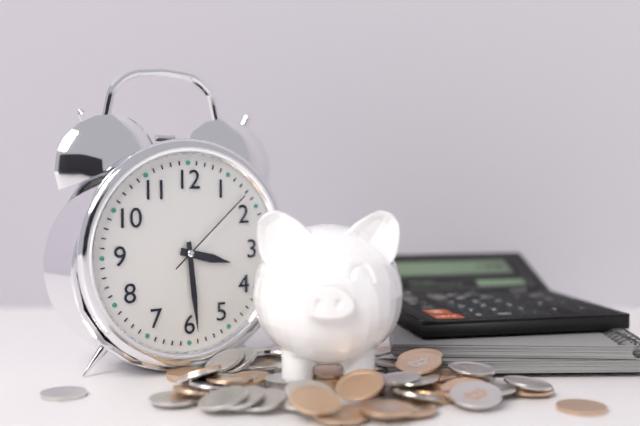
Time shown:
{"hour": 3, "minute": 29, "second": 8}
